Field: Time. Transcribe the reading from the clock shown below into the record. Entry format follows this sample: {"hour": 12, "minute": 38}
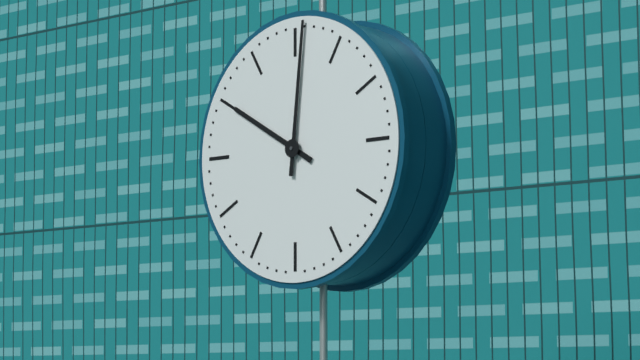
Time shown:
{"hour": 10, "minute": 1}
